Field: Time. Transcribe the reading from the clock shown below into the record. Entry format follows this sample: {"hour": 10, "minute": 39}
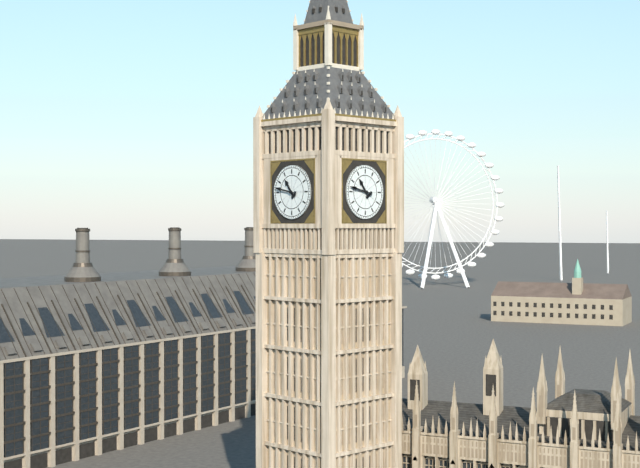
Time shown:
{"hour": 10, "minute": 47}
